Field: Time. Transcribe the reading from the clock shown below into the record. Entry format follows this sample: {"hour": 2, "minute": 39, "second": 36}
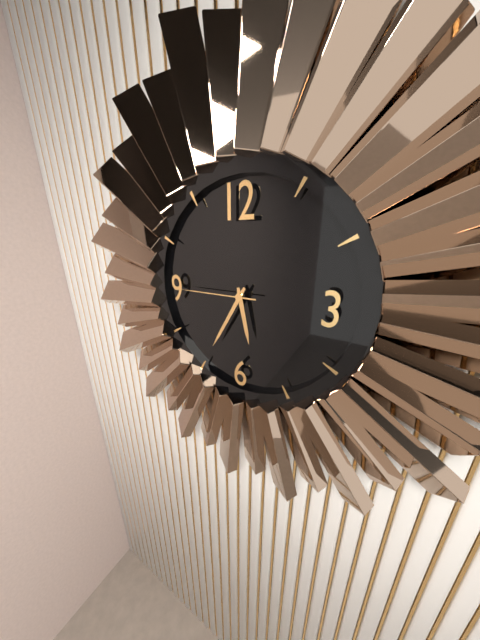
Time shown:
{"hour": 5, "minute": 35, "second": 45}
